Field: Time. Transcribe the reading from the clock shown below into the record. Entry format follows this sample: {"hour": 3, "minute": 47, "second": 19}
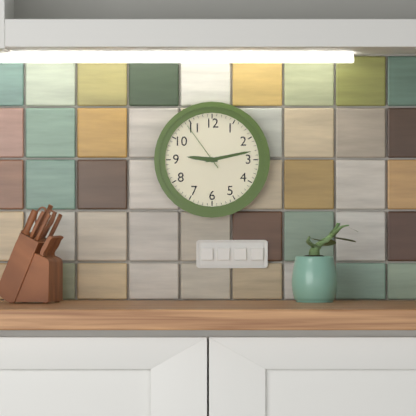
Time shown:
{"hour": 9, "minute": 13, "second": 54}
